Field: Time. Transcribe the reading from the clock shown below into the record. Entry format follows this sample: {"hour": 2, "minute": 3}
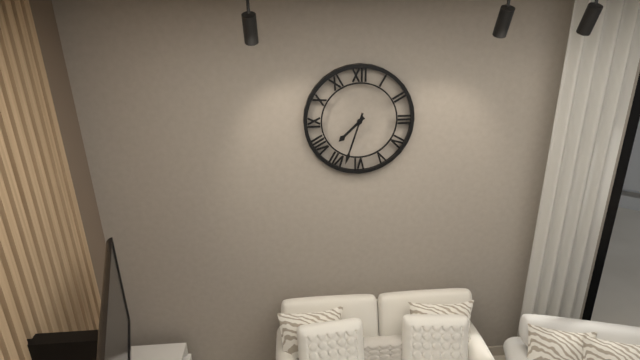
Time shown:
{"hour": 7, "minute": 33}
